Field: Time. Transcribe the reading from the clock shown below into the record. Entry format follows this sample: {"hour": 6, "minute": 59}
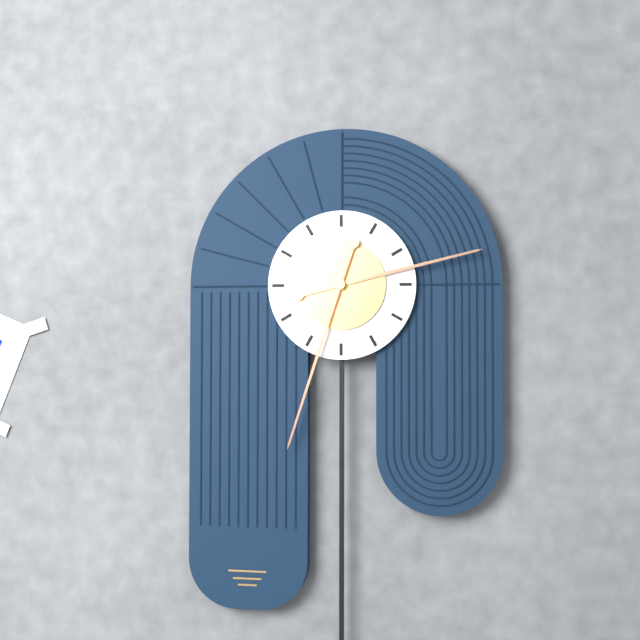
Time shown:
{"hour": 2, "minute": 33}
